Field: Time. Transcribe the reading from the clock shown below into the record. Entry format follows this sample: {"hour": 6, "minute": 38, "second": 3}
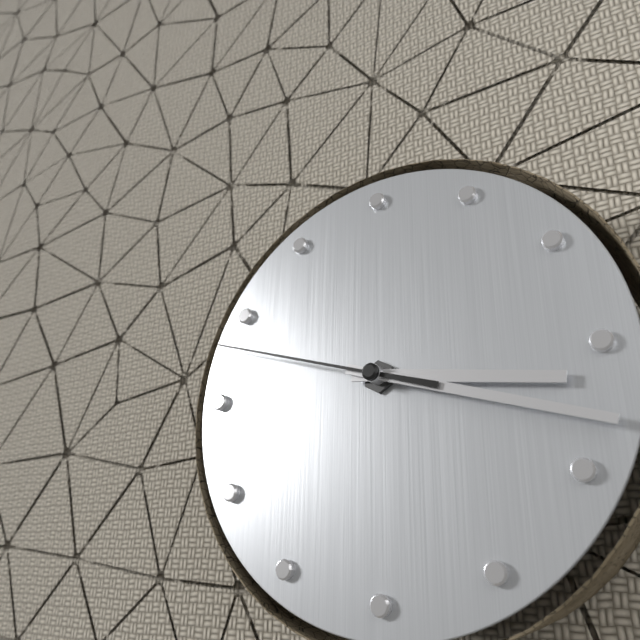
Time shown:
{"hour": 3, "minute": 18, "second": 48}
